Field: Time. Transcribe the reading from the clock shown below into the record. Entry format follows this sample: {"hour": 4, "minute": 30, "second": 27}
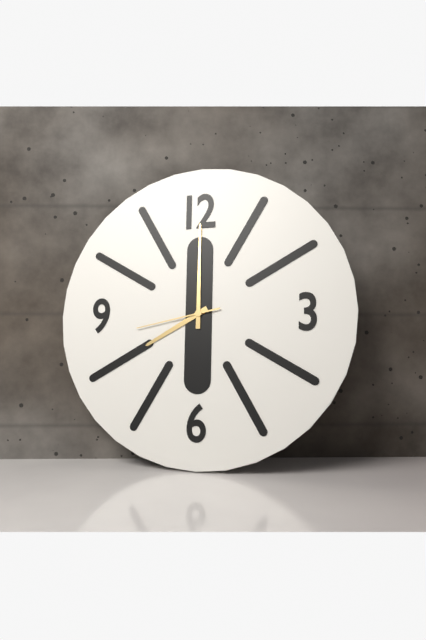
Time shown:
{"hour": 8, "minute": 0, "second": 43}
